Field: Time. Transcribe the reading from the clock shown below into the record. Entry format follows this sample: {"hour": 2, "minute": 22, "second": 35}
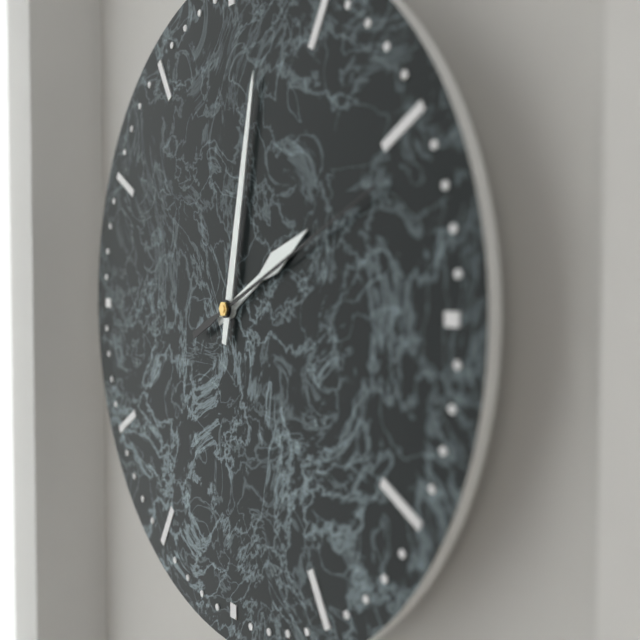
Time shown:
{"hour": 2, "minute": 2, "second": 11}
